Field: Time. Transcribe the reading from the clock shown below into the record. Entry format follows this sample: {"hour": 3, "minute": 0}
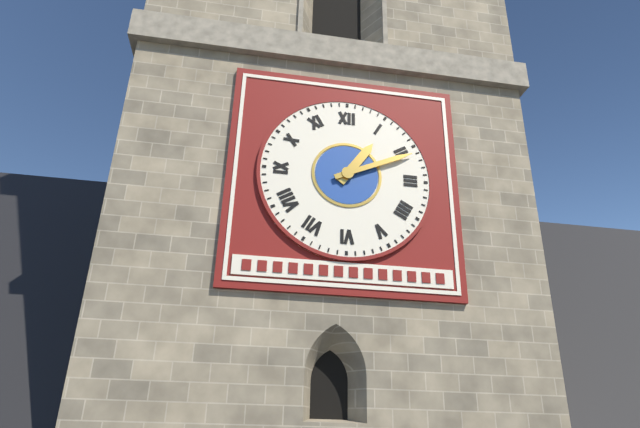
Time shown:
{"hour": 1, "minute": 11}
